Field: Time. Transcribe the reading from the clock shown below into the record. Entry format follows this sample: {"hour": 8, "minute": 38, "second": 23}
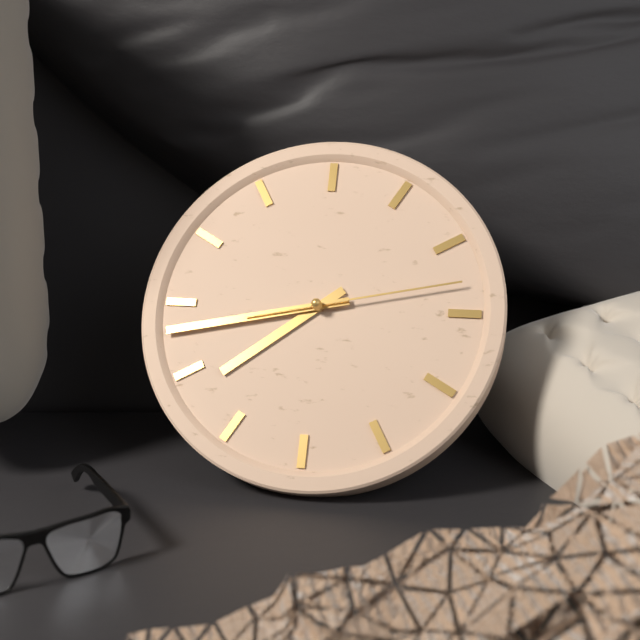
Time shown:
{"hour": 7, "minute": 43, "second": 13}
